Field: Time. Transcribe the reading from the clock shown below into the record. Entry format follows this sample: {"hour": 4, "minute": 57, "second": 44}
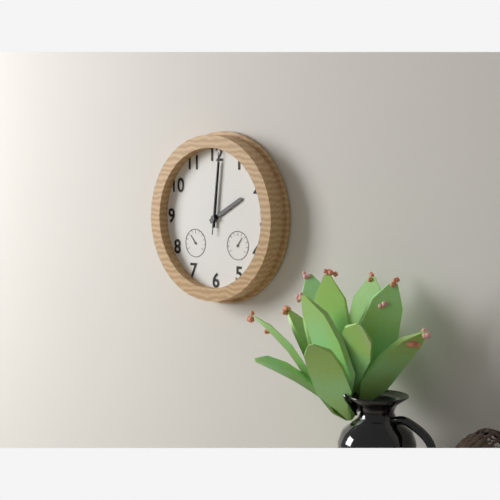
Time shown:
{"hour": 2, "minute": 1, "second": 1}
